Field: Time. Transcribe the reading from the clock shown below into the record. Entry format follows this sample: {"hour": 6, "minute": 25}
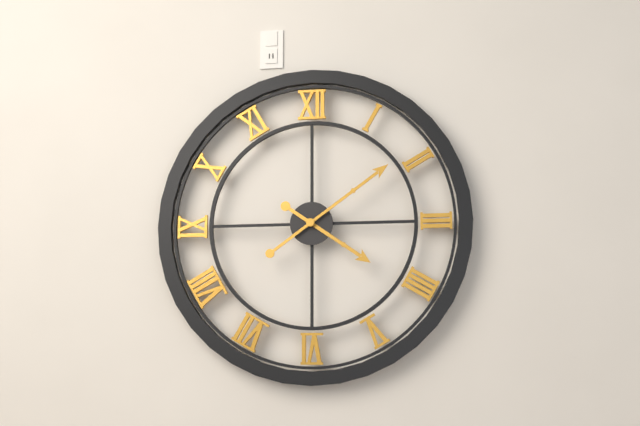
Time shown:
{"hour": 4, "minute": 9}
